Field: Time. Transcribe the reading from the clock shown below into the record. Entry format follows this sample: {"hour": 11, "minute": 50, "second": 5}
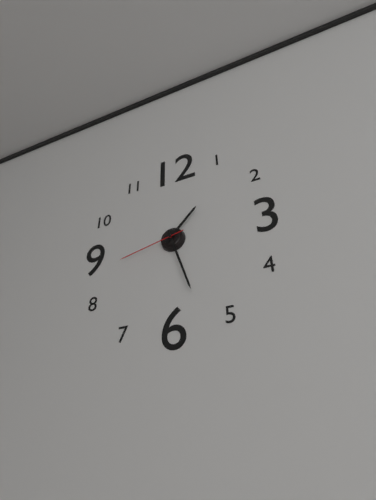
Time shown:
{"hour": 1, "minute": 27, "second": 43}
